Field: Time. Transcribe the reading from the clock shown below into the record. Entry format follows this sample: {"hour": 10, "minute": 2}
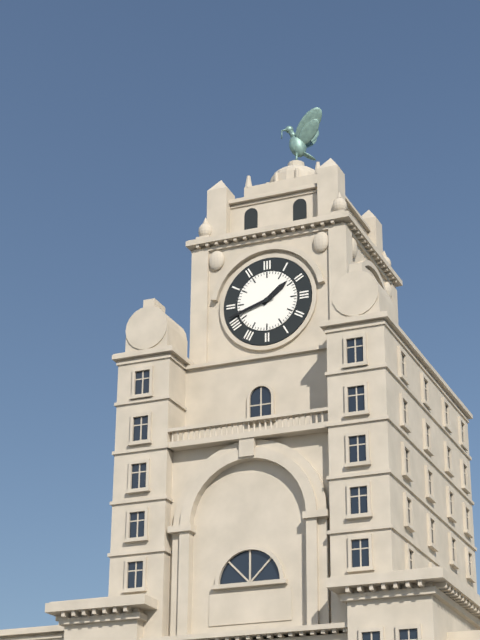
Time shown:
{"hour": 1, "minute": 42}
